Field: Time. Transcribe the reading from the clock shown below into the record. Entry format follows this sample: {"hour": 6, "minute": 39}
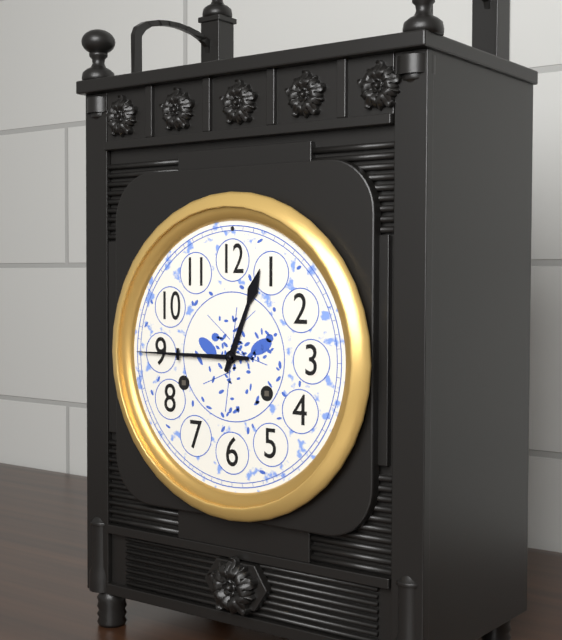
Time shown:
{"hour": 12, "minute": 45}
